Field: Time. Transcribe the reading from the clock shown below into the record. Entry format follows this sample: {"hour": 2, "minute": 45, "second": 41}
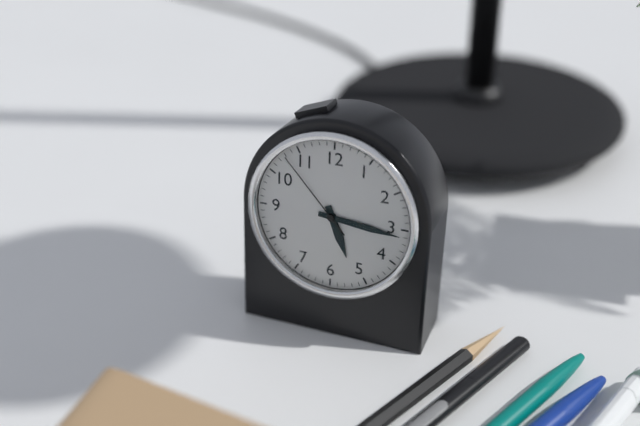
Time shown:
{"hour": 5, "minute": 16, "second": 53}
